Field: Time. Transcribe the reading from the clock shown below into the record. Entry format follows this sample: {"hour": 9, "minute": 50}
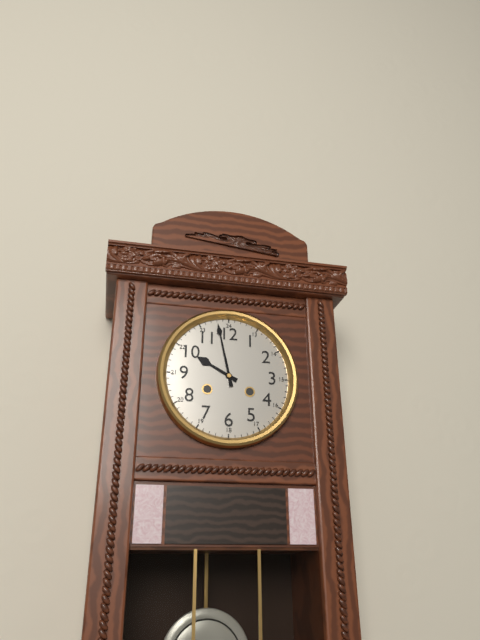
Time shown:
{"hour": 9, "minute": 58}
